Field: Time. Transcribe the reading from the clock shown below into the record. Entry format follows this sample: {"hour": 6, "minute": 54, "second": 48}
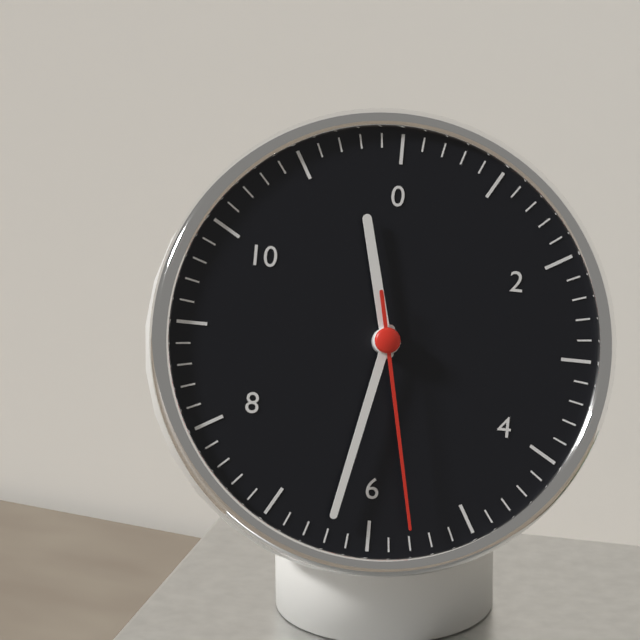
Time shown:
{"hour": 11, "minute": 32, "second": 28}
